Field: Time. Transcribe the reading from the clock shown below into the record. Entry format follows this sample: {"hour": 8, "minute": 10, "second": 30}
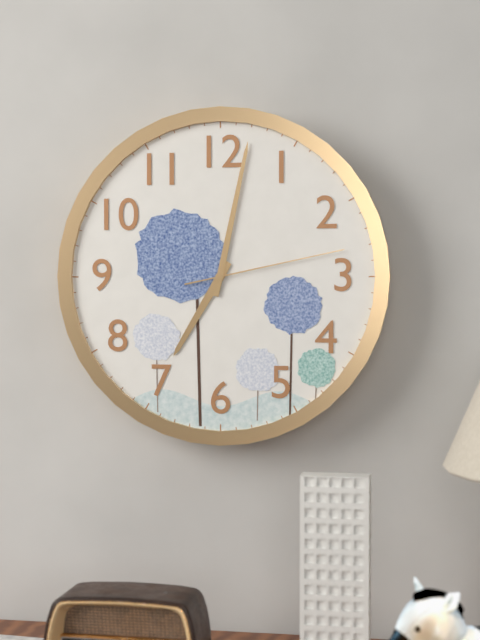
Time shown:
{"hour": 7, "minute": 2, "second": 13}
